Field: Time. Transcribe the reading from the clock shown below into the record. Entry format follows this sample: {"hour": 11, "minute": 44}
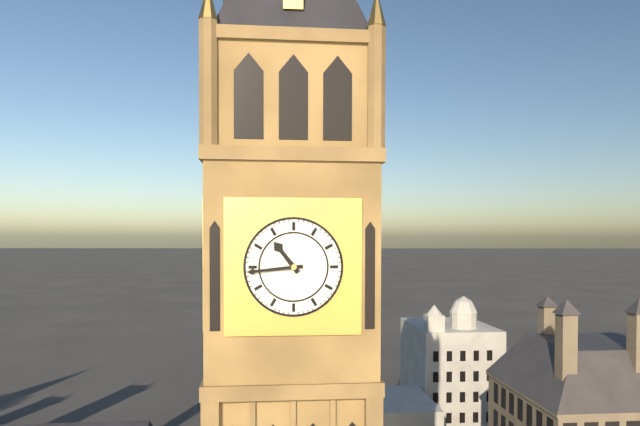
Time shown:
{"hour": 10, "minute": 44}
